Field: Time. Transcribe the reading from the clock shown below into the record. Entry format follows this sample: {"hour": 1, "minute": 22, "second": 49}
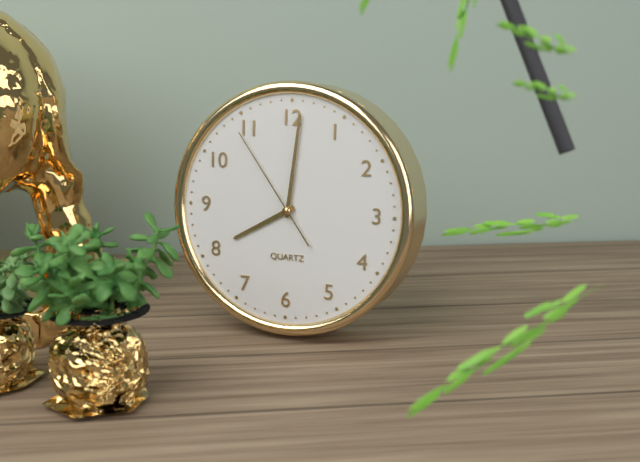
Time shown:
{"hour": 8, "minute": 1, "second": 54}
